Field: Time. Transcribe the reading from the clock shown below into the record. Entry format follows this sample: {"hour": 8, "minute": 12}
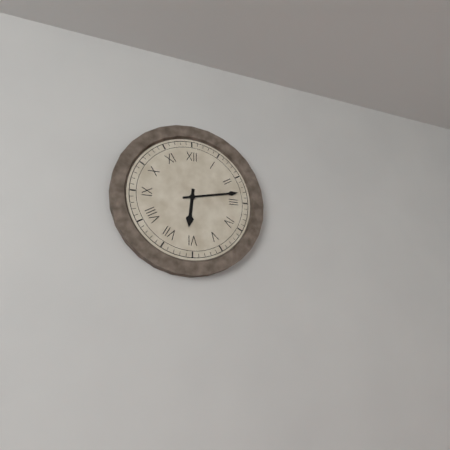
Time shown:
{"hour": 6, "minute": 13}
